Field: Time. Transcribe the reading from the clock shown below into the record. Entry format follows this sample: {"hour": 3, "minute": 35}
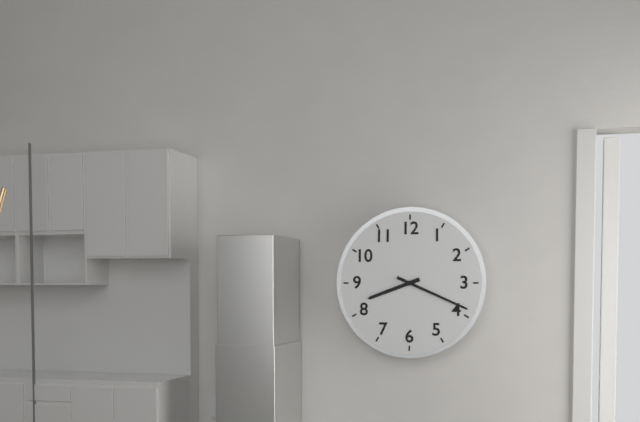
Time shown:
{"hour": 8, "minute": 19}
